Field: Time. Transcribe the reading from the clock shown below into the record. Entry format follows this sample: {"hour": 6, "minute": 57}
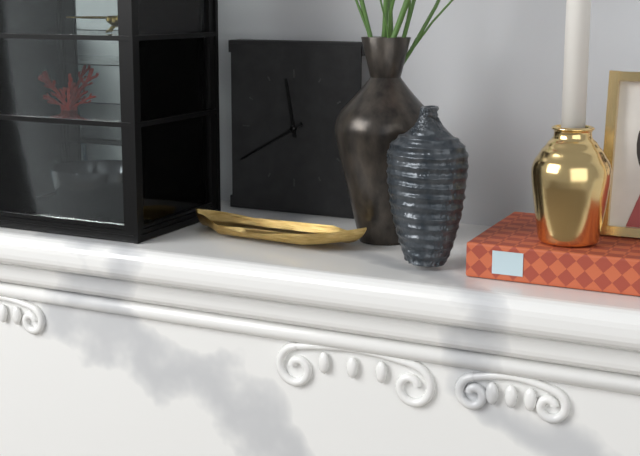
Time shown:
{"hour": 11, "minute": 40}
